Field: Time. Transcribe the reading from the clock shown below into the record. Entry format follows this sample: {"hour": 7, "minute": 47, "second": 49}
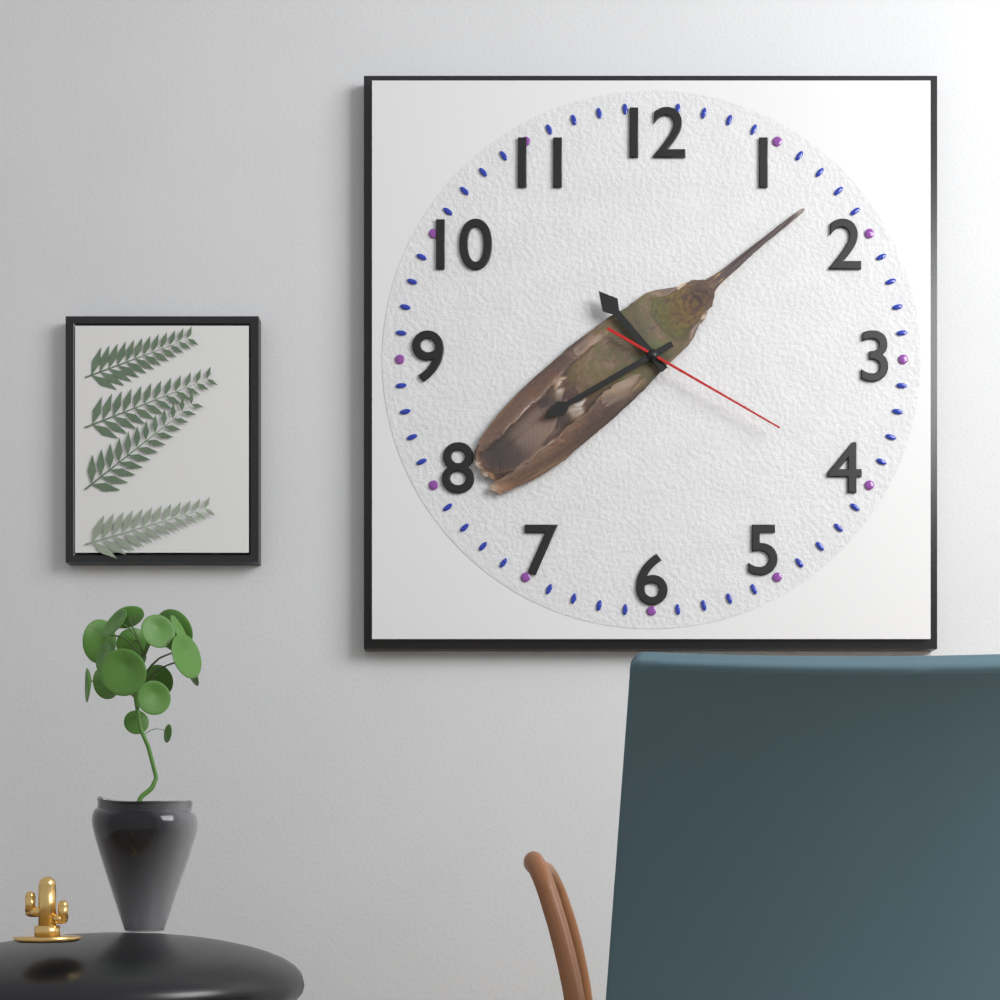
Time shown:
{"hour": 10, "minute": 40, "second": 20}
